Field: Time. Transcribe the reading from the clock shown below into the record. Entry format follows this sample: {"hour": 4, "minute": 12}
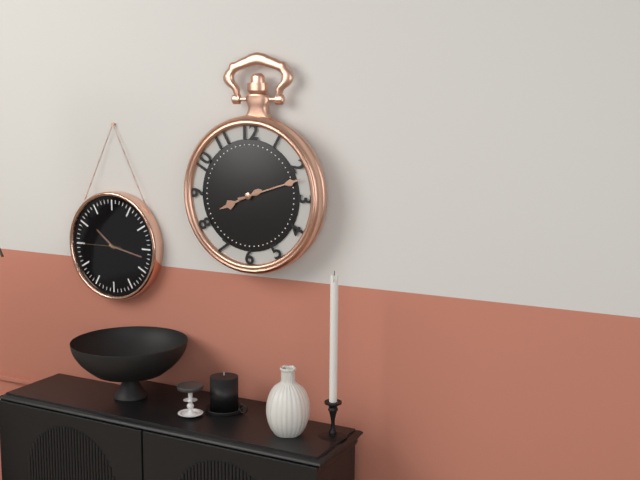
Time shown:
{"hour": 8, "minute": 12}
